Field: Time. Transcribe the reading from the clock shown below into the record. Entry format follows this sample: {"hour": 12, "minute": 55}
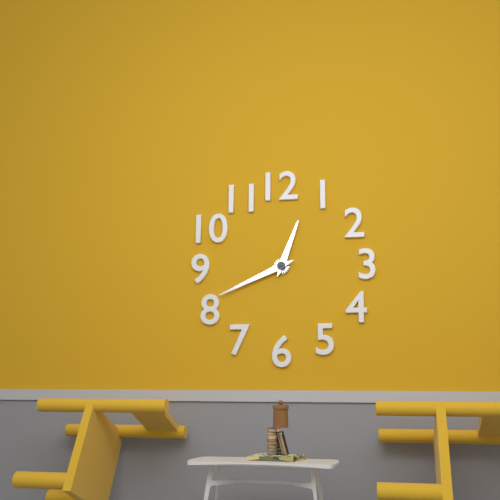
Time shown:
{"hour": 12, "minute": 41}
